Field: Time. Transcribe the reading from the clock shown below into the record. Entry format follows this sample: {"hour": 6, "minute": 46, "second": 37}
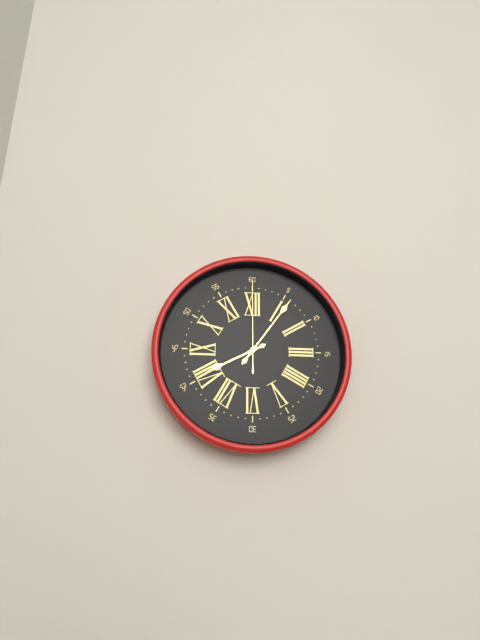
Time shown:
{"hour": 8, "minute": 6, "second": 0}
